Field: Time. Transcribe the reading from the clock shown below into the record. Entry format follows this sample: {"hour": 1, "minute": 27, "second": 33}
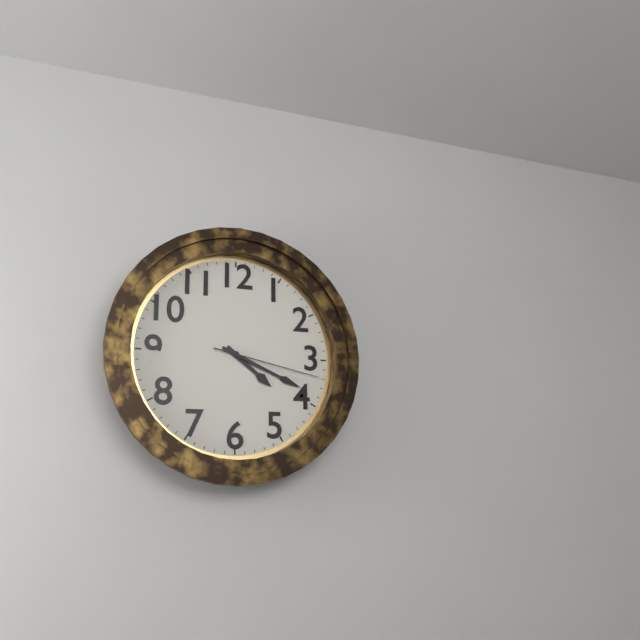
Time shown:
{"hour": 4, "minute": 19, "second": 17}
